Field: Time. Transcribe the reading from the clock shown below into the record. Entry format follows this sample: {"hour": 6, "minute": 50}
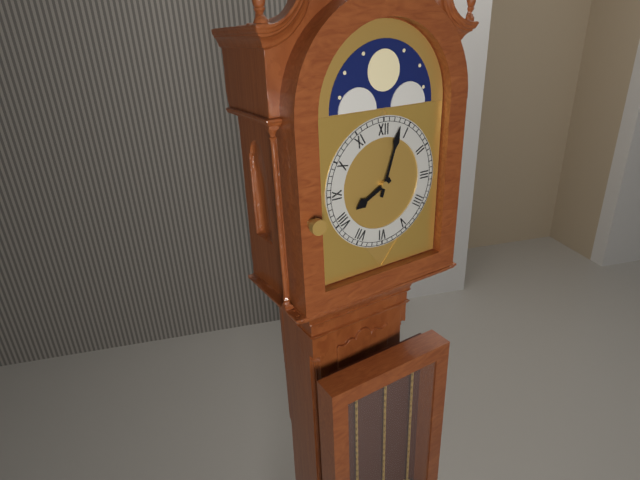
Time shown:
{"hour": 8, "minute": 3}
